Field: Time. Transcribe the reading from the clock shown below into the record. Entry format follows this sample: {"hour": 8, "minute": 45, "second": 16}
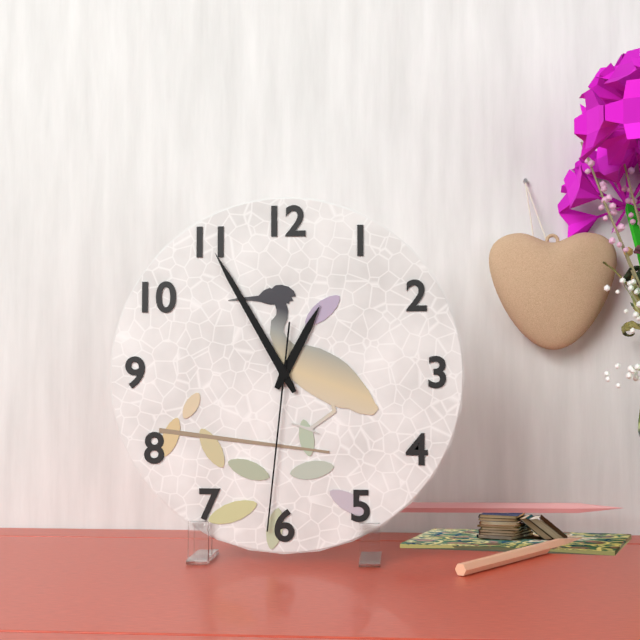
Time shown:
{"hour": 12, "minute": 55, "second": 31}
